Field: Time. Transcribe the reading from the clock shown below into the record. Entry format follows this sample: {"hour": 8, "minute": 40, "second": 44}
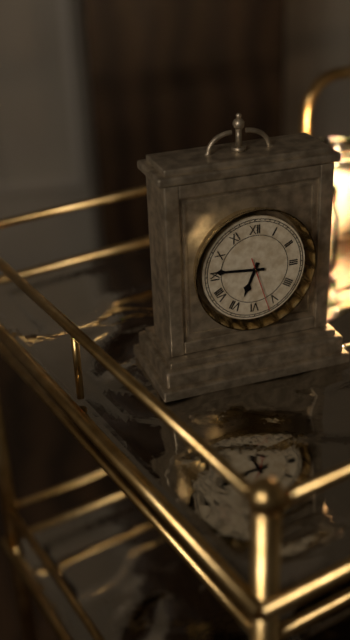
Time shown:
{"hour": 6, "minute": 46, "second": 27}
